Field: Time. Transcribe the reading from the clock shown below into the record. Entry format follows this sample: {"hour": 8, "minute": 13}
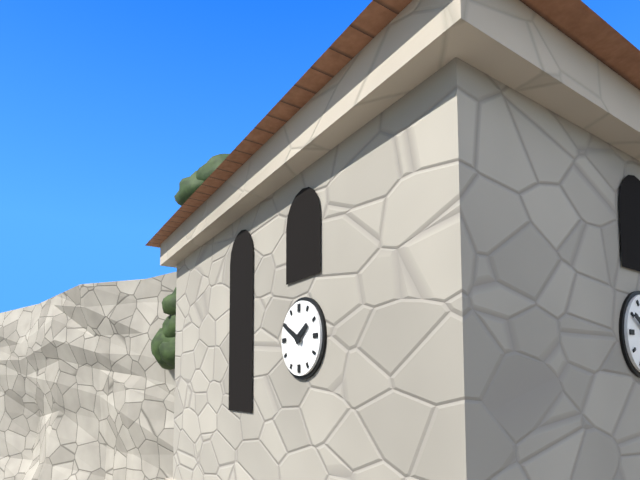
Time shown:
{"hour": 1, "minute": 50}
